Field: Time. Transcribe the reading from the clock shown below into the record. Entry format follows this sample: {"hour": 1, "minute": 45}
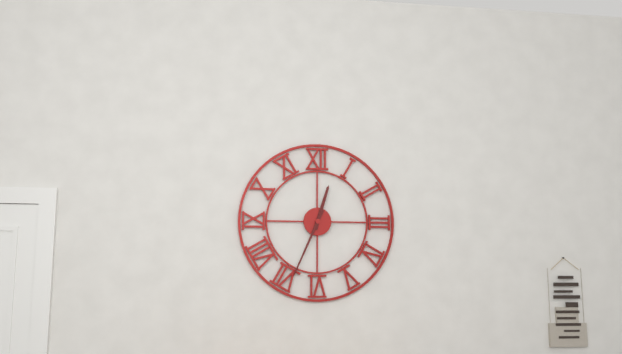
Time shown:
{"hour": 12, "minute": 34}
